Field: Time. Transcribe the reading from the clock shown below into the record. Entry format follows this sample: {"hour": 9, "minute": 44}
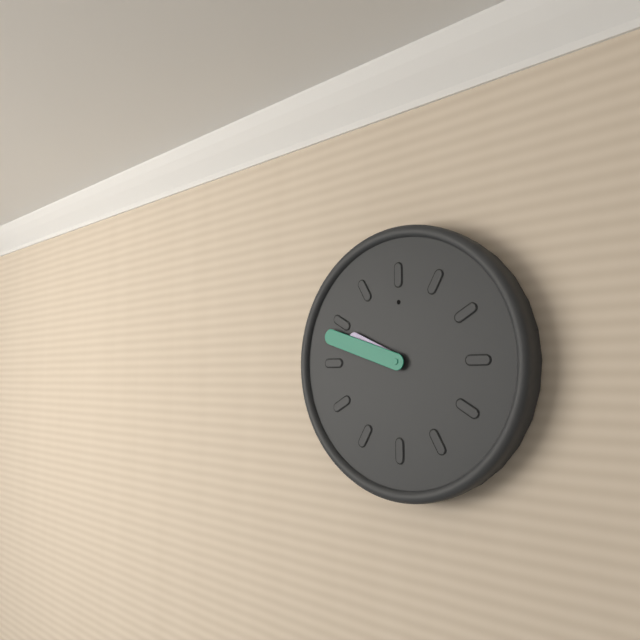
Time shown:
{"hour": 9, "minute": 48}
